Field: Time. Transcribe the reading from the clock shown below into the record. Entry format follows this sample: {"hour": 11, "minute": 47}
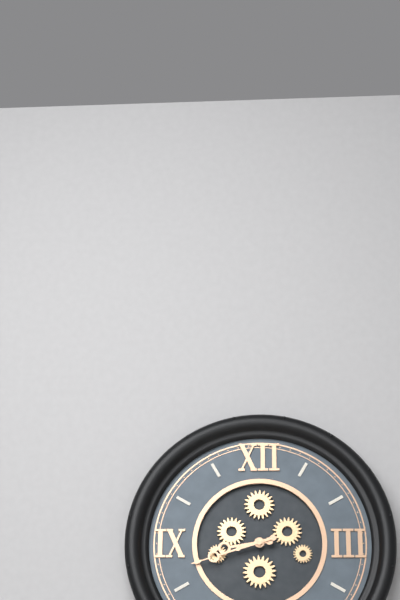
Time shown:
{"hour": 8, "minute": 42}
